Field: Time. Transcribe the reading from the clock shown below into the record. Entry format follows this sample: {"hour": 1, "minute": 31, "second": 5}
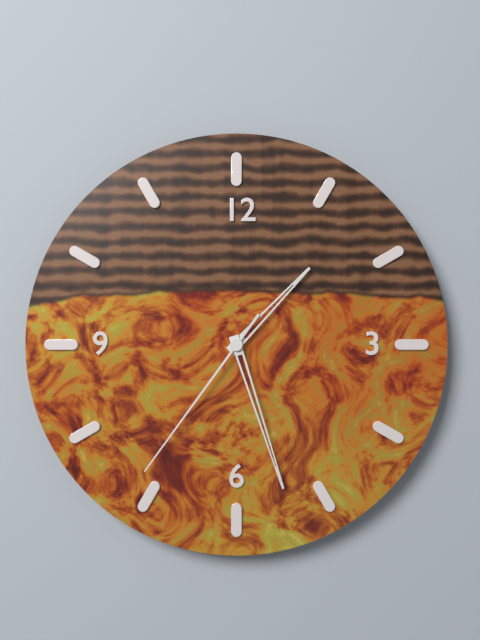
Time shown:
{"hour": 1, "minute": 27, "second": 36}
